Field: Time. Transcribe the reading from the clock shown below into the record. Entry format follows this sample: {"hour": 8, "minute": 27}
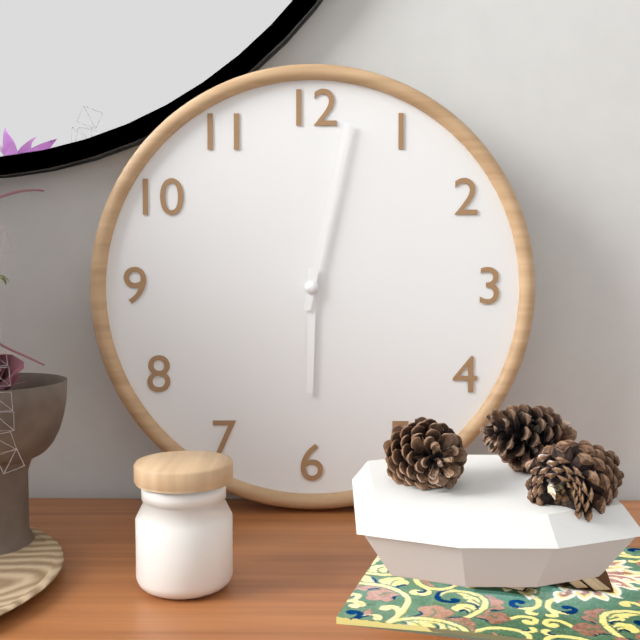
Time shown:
{"hour": 6, "minute": 2}
